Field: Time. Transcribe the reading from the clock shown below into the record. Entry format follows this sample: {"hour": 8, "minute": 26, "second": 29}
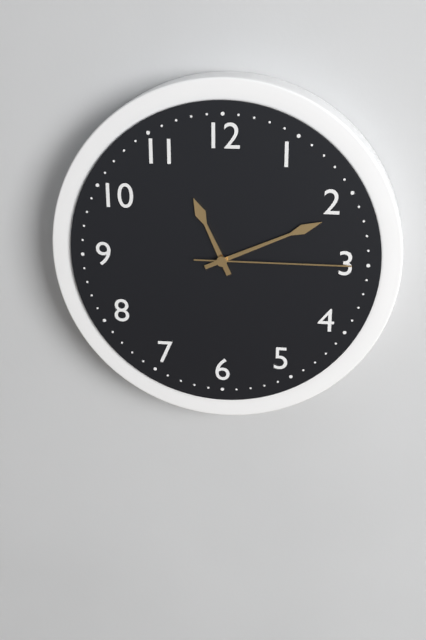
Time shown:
{"hour": 11, "minute": 11, "second": 15}
